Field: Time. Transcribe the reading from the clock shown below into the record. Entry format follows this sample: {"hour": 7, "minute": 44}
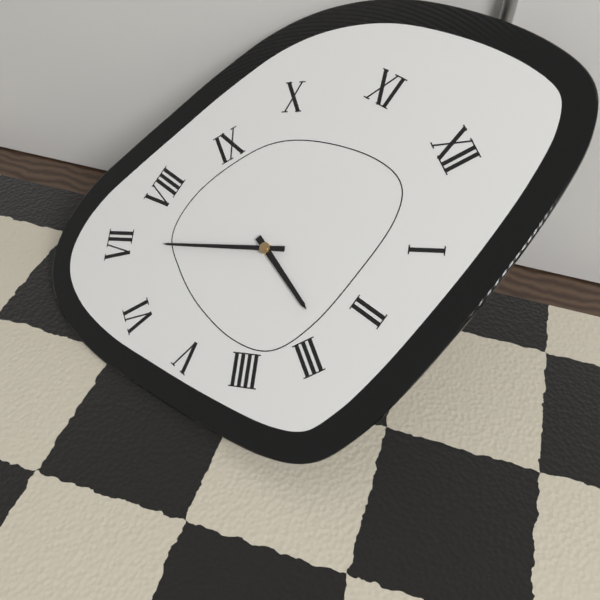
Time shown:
{"hour": 2, "minute": 35}
